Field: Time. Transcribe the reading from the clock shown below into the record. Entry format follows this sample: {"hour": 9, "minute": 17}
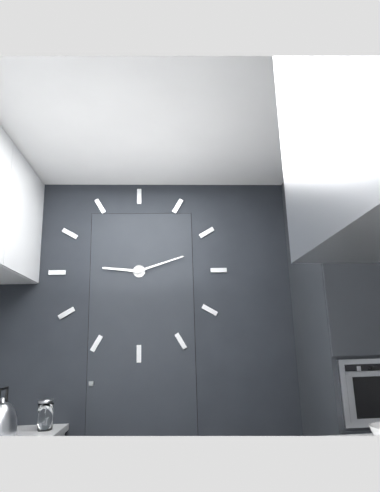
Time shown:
{"hour": 9, "minute": 12}
